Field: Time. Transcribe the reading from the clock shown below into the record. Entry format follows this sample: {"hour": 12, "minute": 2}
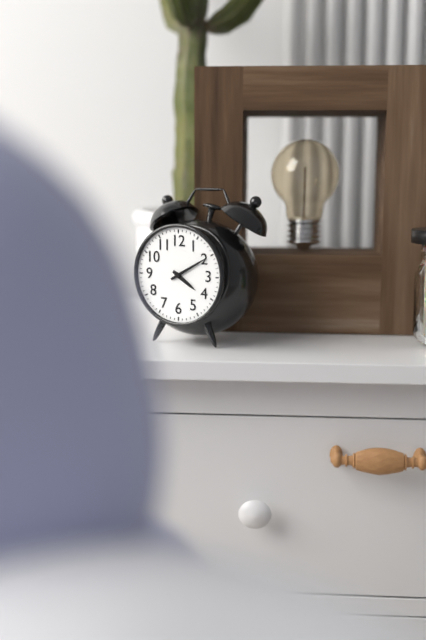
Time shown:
{"hour": 4, "minute": 10}
